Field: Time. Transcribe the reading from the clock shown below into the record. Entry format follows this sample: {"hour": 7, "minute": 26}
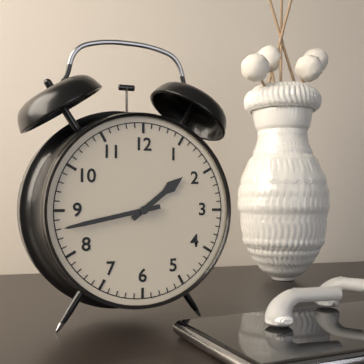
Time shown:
{"hour": 1, "minute": 43}
